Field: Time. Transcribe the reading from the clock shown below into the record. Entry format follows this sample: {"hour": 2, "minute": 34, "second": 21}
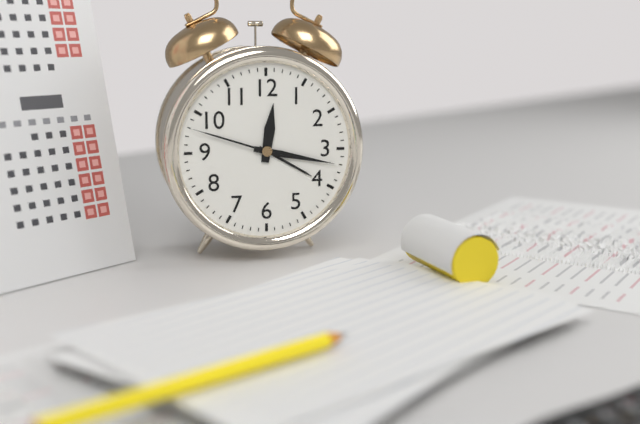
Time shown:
{"hour": 12, "minute": 17, "second": 48}
